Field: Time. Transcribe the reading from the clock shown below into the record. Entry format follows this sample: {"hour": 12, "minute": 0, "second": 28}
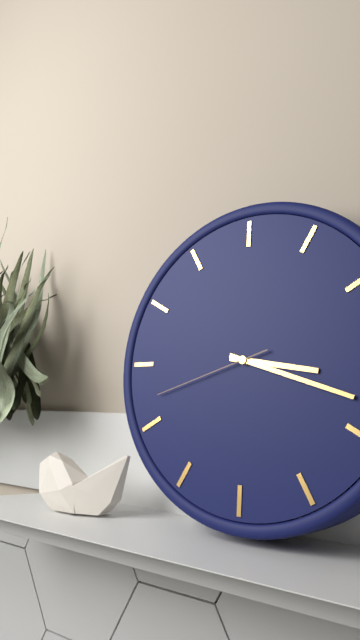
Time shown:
{"hour": 3, "minute": 18, "second": 42}
